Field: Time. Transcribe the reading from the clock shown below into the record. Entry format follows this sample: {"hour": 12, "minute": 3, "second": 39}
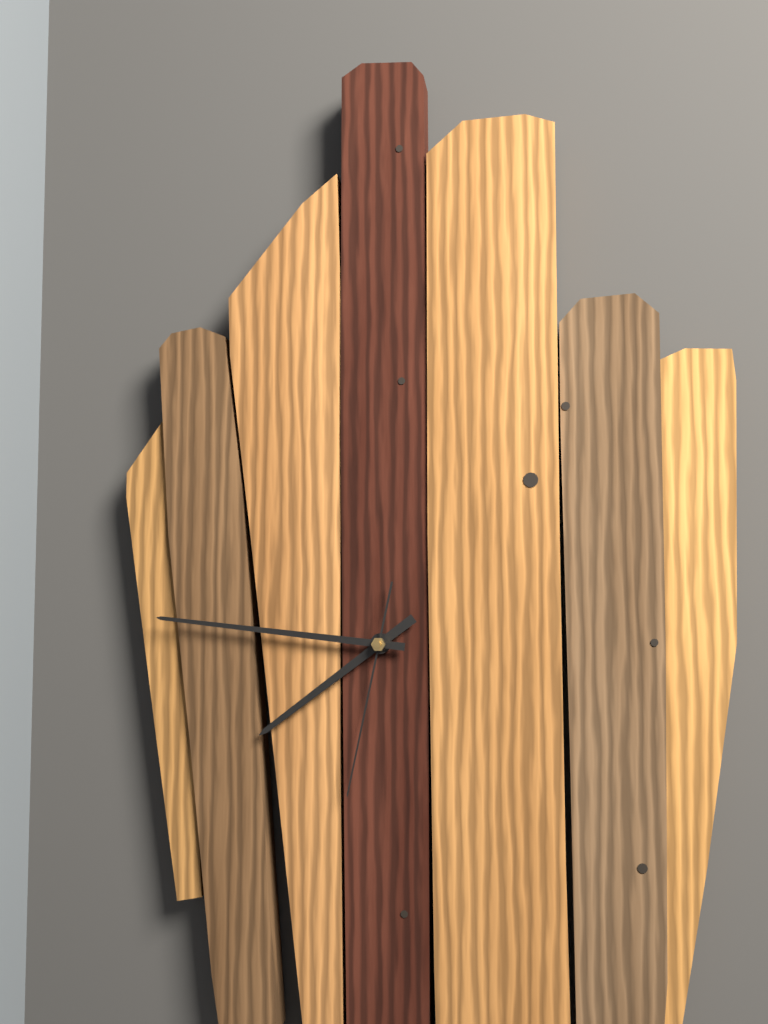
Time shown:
{"hour": 7, "minute": 46, "second": 32}
